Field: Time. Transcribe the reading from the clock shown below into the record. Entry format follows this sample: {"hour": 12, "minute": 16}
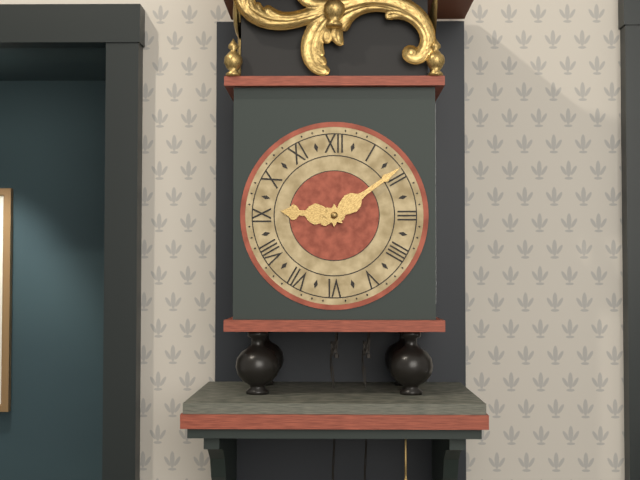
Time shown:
{"hour": 9, "minute": 9}
